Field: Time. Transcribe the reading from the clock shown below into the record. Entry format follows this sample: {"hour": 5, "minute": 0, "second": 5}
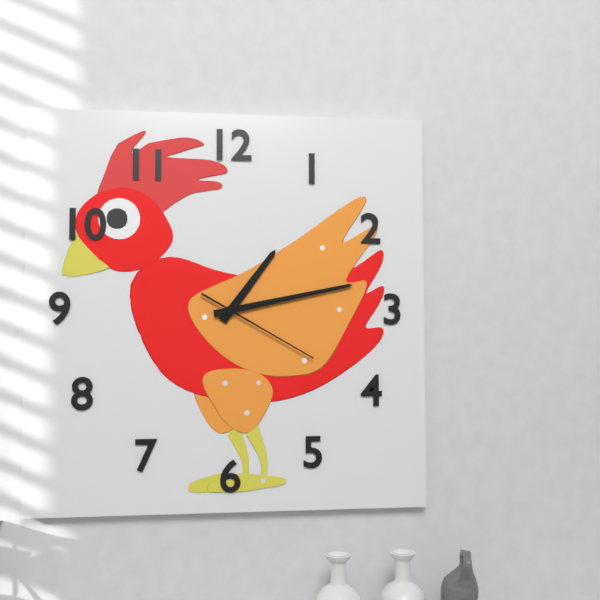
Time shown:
{"hour": 1, "minute": 13, "second": 20}
